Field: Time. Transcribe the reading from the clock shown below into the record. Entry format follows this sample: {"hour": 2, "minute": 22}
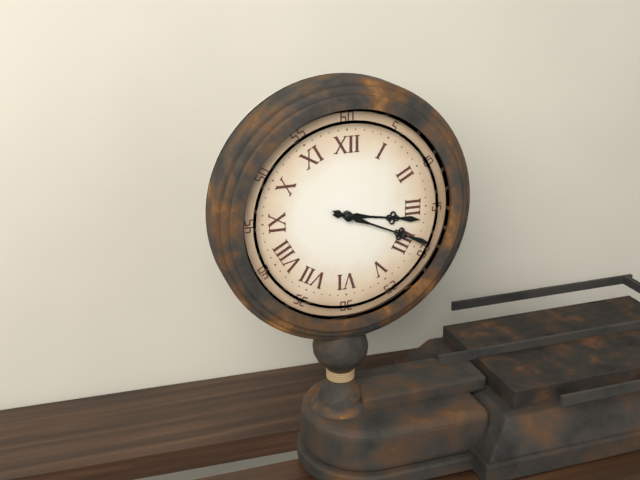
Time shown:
{"hour": 3, "minute": 19}
